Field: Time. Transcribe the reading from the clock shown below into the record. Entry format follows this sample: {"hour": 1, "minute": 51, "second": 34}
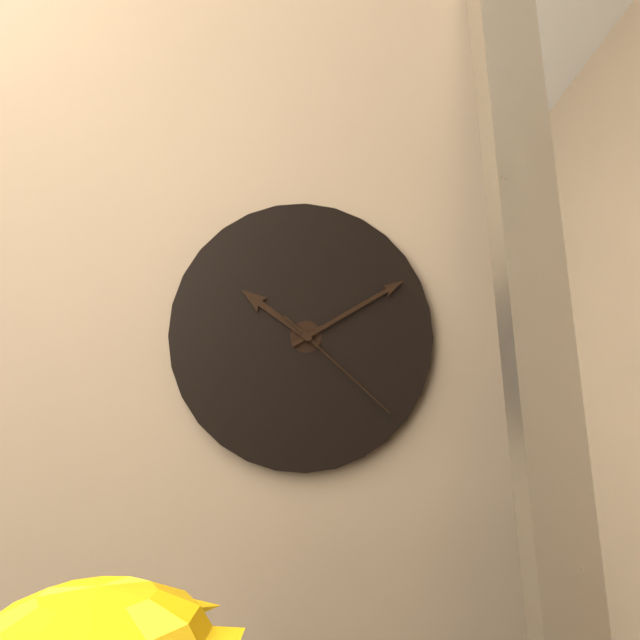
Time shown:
{"hour": 10, "minute": 10, "second": 22}
